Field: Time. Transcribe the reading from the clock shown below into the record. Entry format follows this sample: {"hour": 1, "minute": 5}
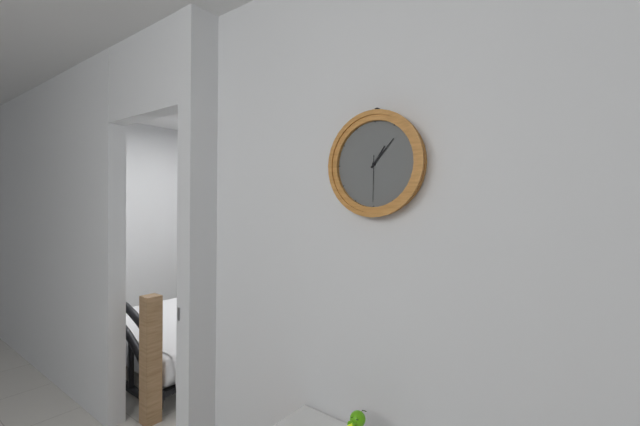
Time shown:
{"hour": 1, "minute": 7}
